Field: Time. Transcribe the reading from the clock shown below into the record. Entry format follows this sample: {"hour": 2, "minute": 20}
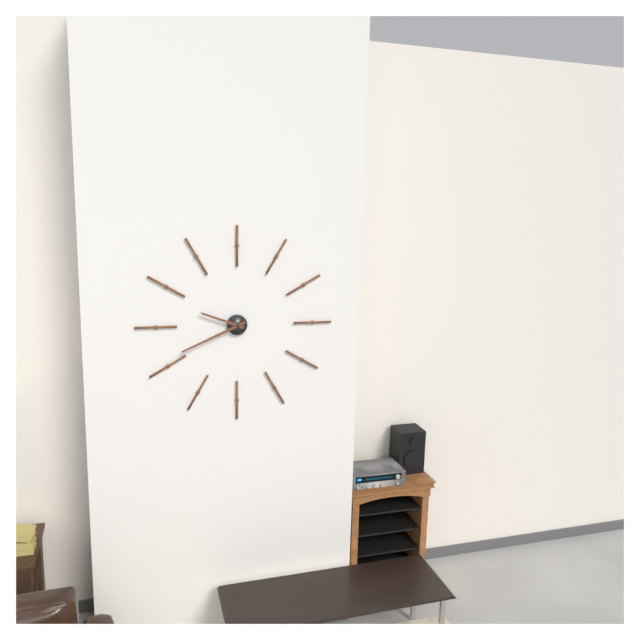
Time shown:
{"hour": 9, "minute": 41}
